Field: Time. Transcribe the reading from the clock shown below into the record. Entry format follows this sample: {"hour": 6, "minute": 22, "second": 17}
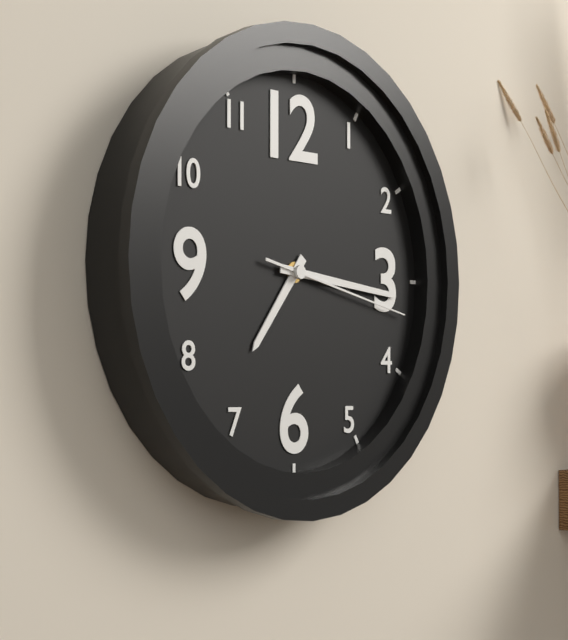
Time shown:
{"hour": 7, "minute": 16, "second": 17}
